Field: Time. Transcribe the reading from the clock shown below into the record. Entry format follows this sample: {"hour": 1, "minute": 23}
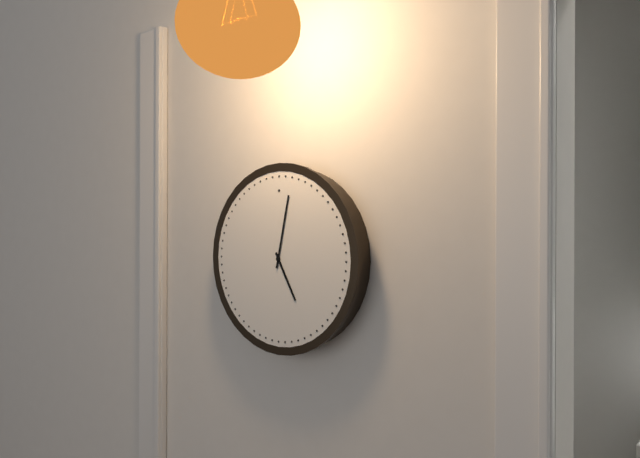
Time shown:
{"hour": 5, "minute": 2}
